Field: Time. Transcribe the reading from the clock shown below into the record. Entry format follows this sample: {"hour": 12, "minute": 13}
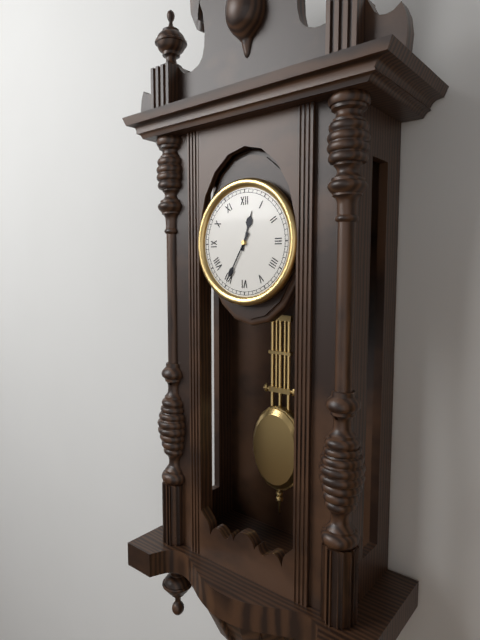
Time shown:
{"hour": 12, "minute": 35}
